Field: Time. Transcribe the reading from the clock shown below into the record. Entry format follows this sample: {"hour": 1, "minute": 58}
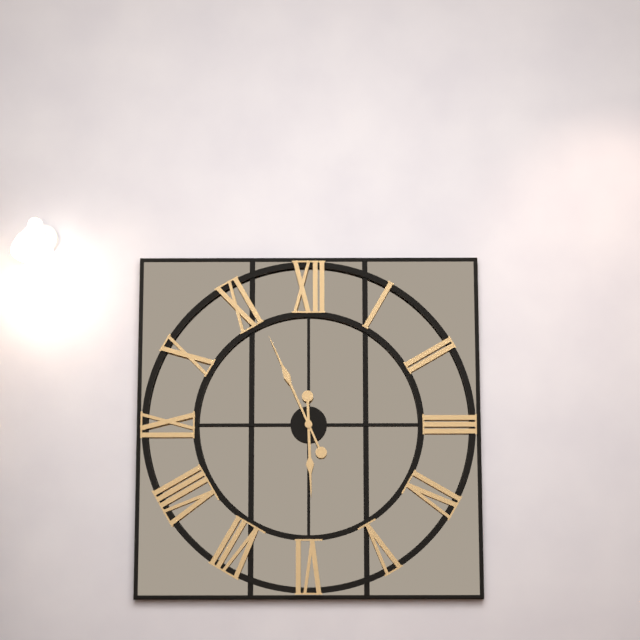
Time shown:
{"hour": 5, "minute": 56}
